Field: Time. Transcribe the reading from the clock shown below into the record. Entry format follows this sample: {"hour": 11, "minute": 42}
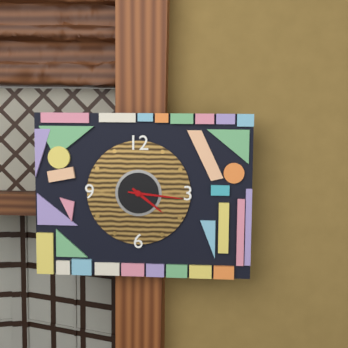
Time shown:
{"hour": 4, "minute": 16}
